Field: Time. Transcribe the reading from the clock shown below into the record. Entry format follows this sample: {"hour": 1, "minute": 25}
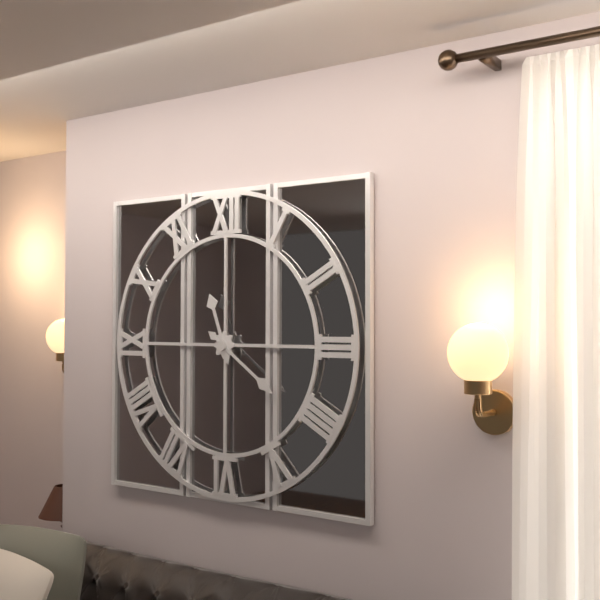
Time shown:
{"hour": 11, "minute": 21}
